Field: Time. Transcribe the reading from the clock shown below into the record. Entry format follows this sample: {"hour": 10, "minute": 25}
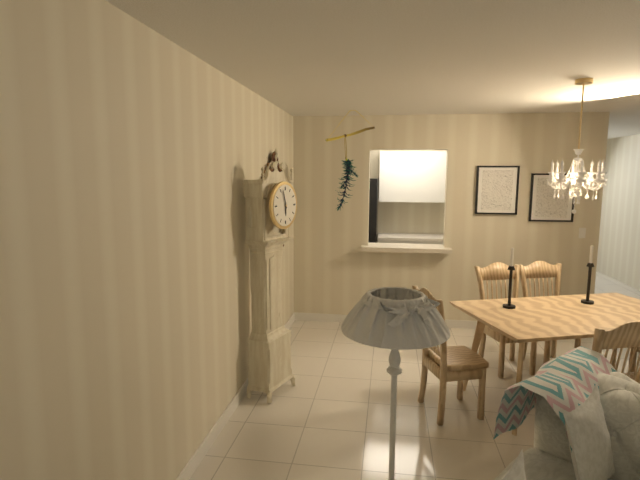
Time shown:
{"hour": 5, "minute": 57}
